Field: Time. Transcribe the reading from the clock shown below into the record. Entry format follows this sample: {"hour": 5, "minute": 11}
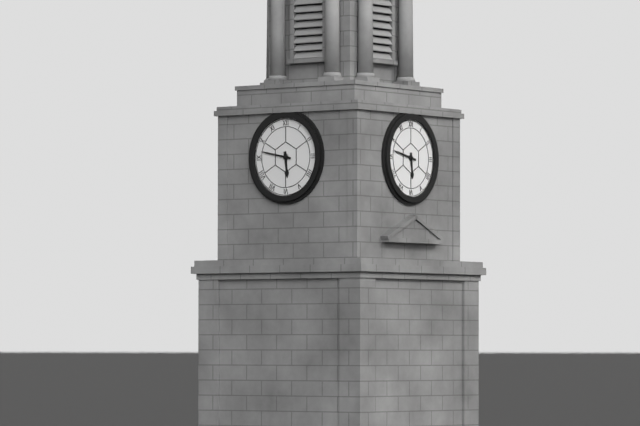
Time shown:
{"hour": 5, "minute": 47}
